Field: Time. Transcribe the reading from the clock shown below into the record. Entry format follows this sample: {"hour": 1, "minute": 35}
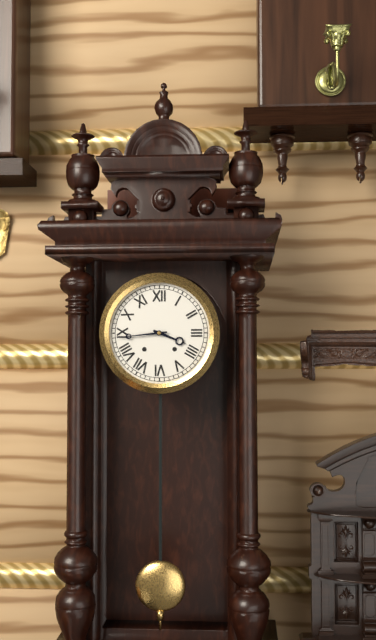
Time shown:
{"hour": 3, "minute": 44}
